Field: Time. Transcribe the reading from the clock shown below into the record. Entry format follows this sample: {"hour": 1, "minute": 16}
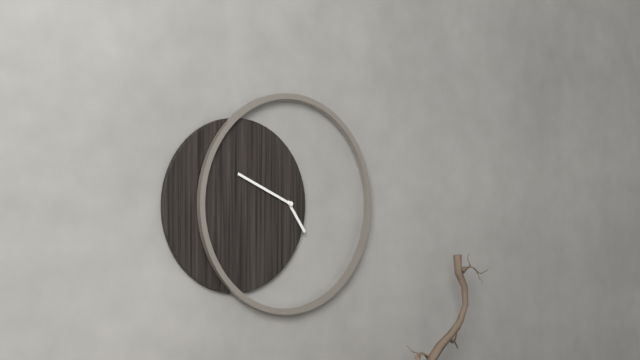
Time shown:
{"hour": 4, "minute": 49}
